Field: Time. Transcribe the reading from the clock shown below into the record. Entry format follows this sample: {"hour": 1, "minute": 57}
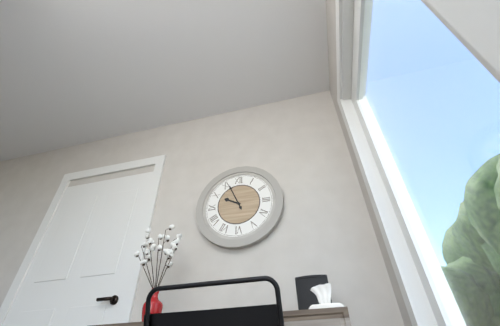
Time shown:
{"hour": 9, "minute": 56}
